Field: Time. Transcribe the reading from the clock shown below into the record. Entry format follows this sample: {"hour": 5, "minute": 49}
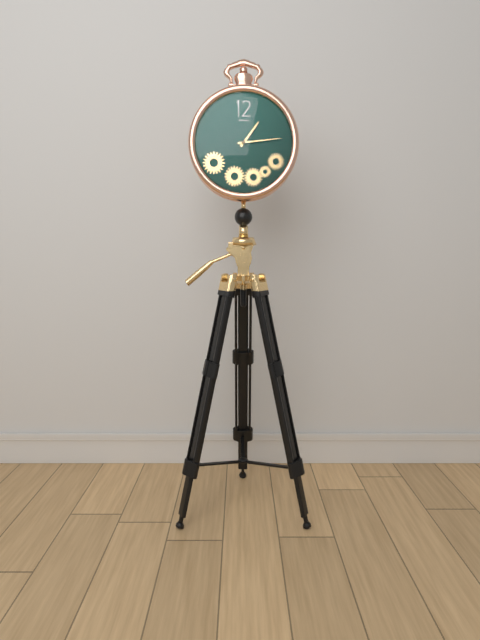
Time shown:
{"hour": 1, "minute": 14}
